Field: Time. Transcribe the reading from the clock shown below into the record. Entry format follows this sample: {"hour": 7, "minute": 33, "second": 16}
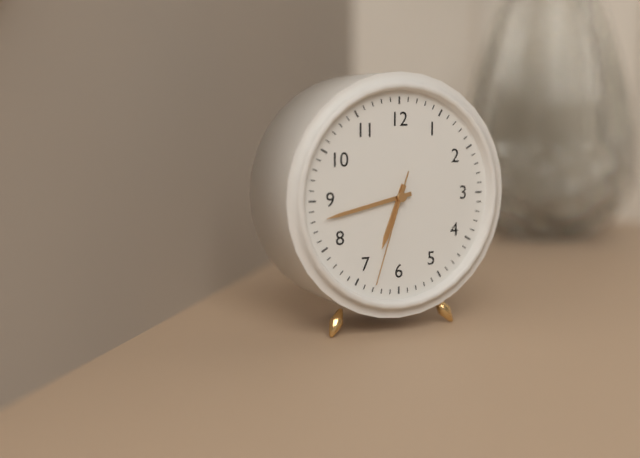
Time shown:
{"hour": 6, "minute": 43, "second": 33}
